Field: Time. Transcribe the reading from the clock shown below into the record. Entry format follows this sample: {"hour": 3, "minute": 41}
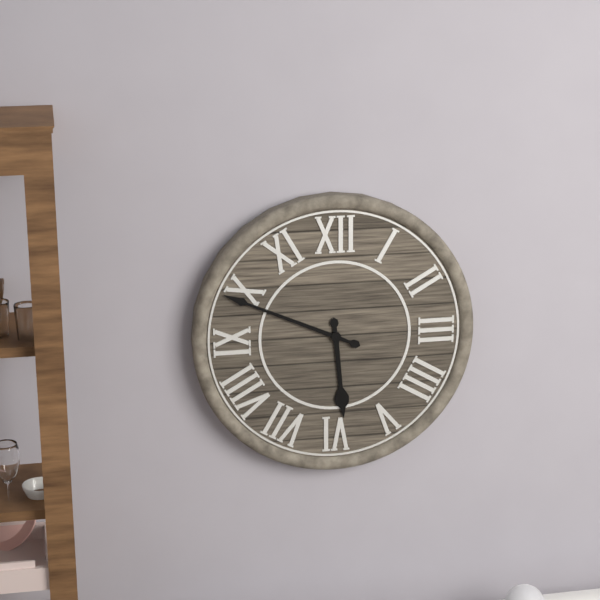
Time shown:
{"hour": 5, "minute": 49}
